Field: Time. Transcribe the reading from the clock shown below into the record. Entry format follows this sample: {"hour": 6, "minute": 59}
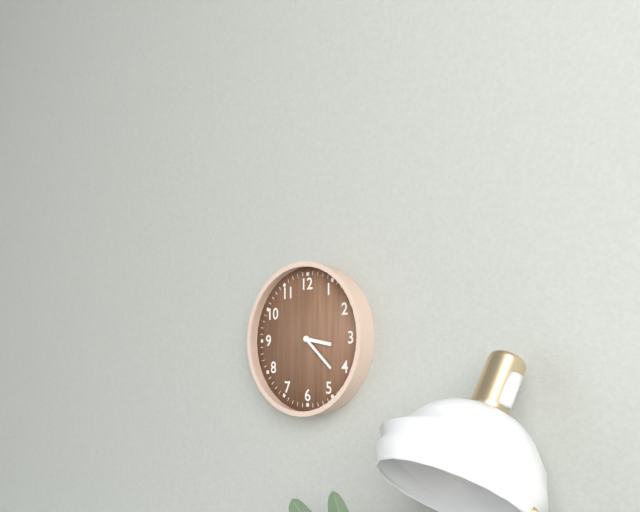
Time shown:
{"hour": 3, "minute": 22}
